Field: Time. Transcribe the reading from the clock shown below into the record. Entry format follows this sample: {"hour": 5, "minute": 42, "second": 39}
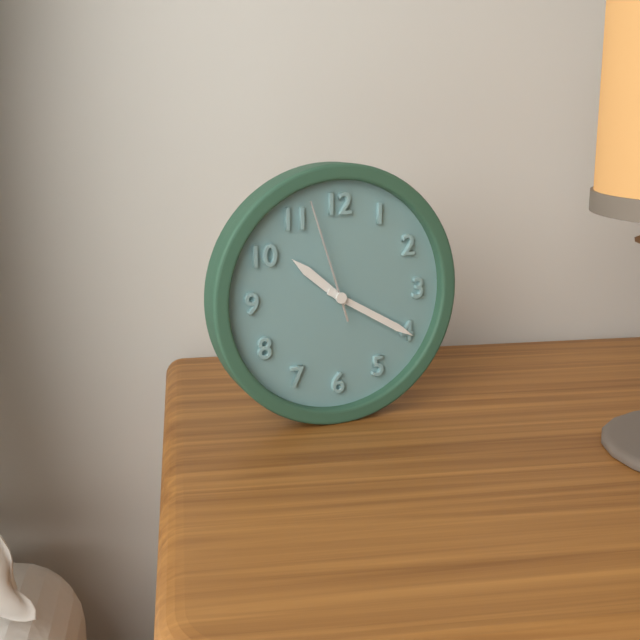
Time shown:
{"hour": 10, "minute": 20, "second": 57}
